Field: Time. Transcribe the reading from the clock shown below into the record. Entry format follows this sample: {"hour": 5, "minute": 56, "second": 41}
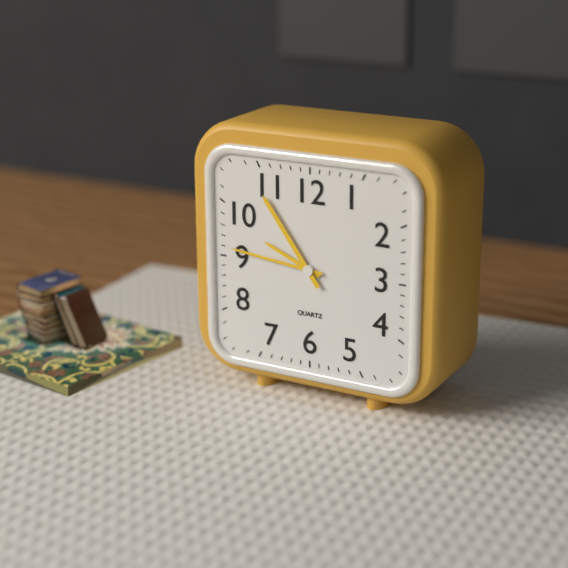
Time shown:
{"hour": 9, "minute": 46, "second": 54}
